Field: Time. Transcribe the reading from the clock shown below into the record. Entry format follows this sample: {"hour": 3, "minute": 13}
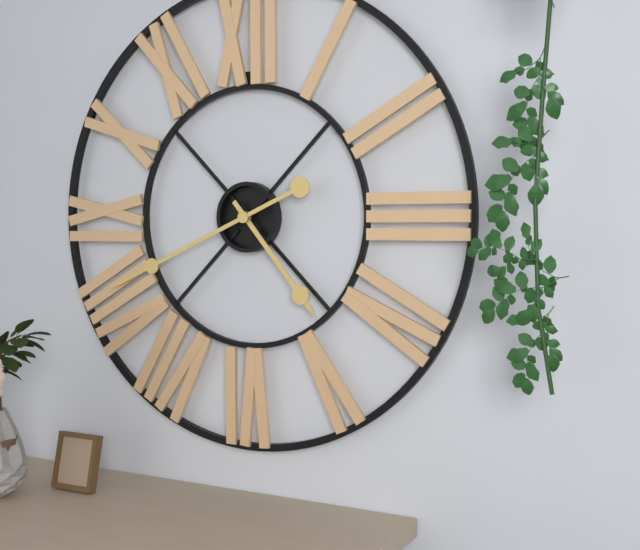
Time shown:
{"hour": 4, "minute": 41}
